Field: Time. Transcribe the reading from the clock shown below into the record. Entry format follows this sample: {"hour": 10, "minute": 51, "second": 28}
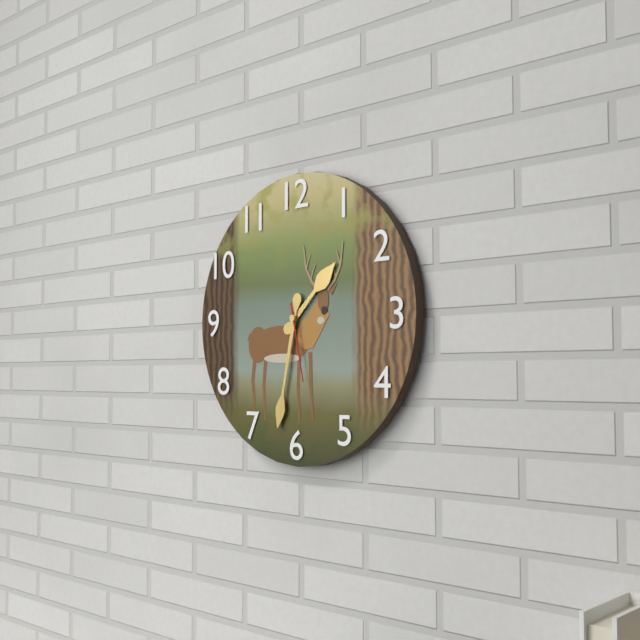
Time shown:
{"hour": 1, "minute": 32, "second": 28}
